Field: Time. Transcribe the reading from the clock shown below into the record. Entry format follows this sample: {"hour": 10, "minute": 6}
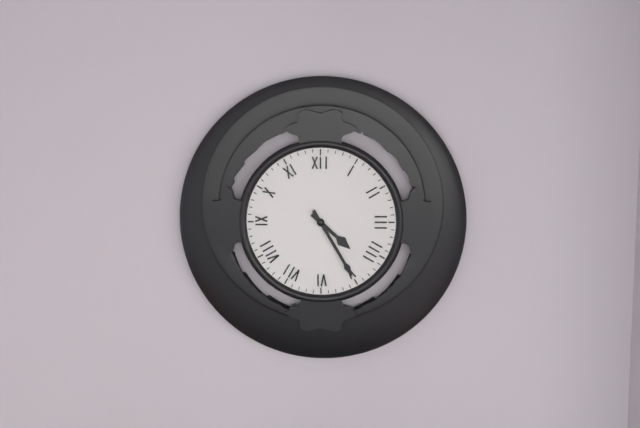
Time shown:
{"hour": 4, "minute": 25}
